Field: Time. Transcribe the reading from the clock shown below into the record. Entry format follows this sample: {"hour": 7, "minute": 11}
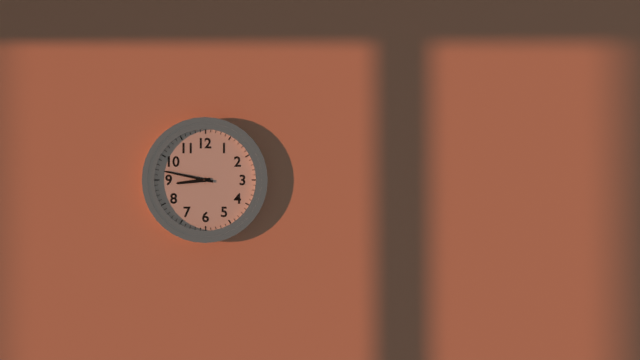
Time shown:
{"hour": 8, "minute": 47}
